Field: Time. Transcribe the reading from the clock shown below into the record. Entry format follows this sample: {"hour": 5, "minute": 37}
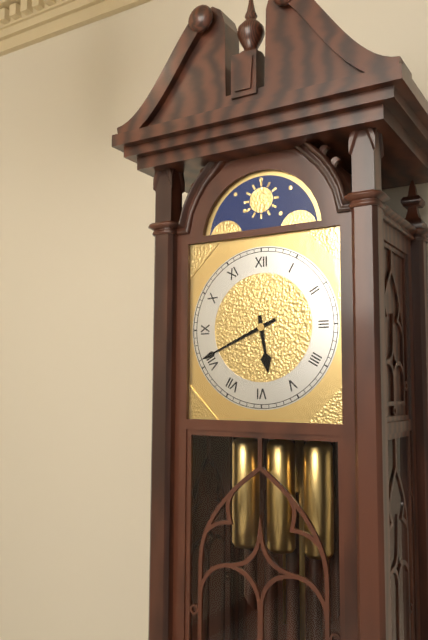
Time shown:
{"hour": 5, "minute": 41}
